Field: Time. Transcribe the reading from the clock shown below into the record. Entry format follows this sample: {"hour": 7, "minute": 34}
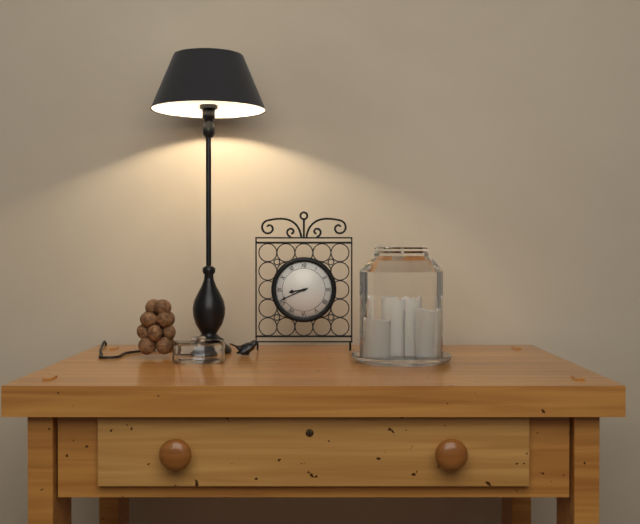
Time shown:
{"hour": 8, "minute": 41}
